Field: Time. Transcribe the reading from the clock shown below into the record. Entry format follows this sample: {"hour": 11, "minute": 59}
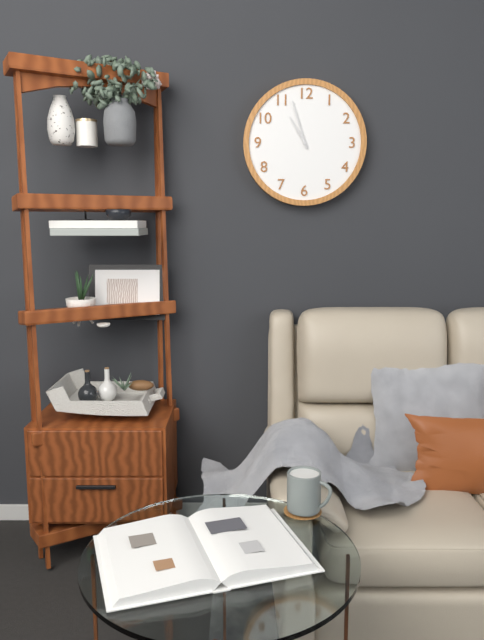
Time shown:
{"hour": 10, "minute": 57}
